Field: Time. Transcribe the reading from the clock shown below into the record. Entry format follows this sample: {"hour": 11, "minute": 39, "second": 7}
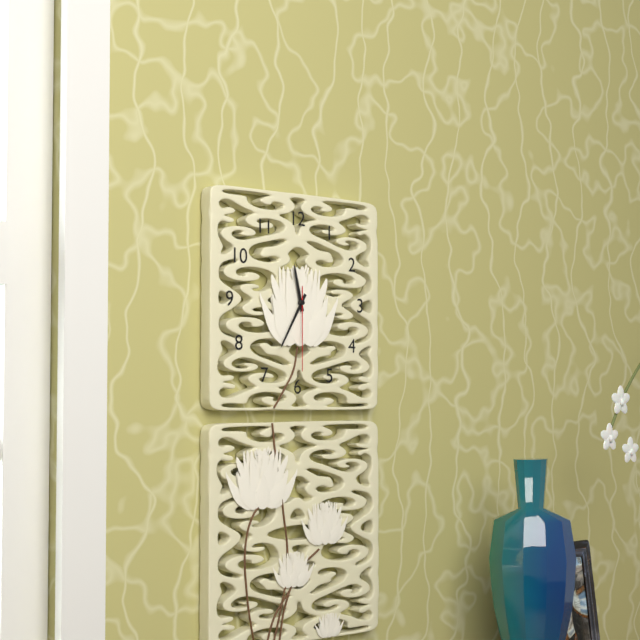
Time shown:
{"hour": 11, "minute": 35, "second": 30}
